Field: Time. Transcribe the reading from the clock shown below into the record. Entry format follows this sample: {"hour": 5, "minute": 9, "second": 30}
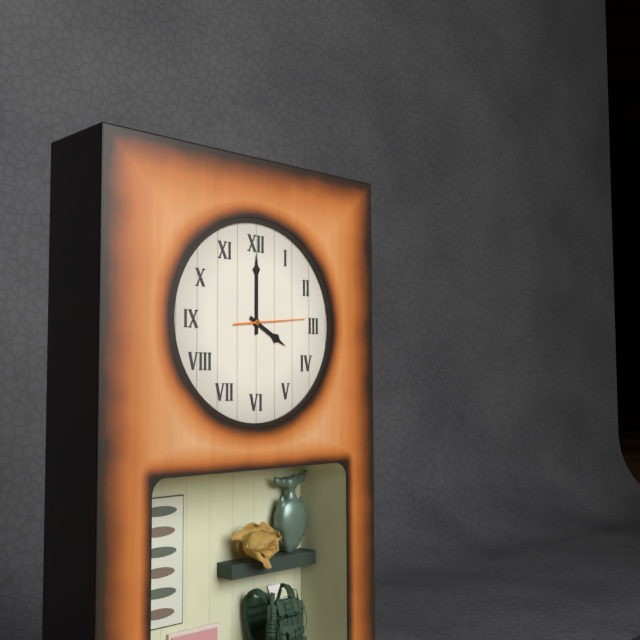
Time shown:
{"hour": 4, "minute": 0, "second": 14}
